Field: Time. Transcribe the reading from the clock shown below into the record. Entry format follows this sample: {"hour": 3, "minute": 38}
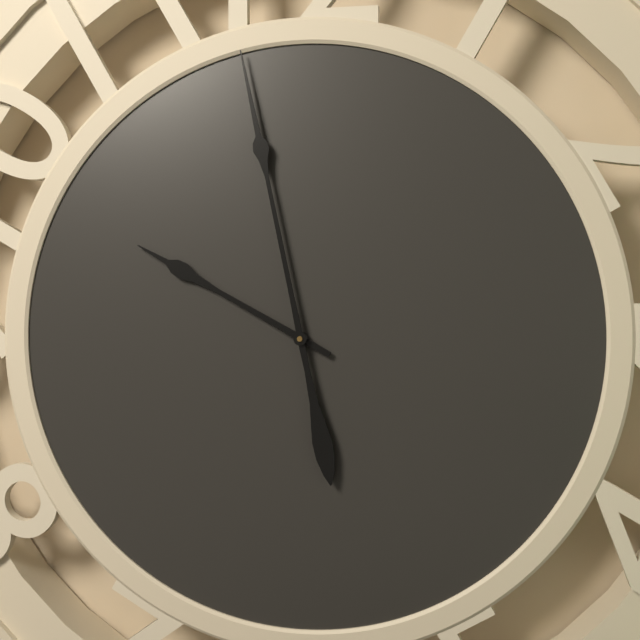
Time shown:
{"hour": 9, "minute": 58}
